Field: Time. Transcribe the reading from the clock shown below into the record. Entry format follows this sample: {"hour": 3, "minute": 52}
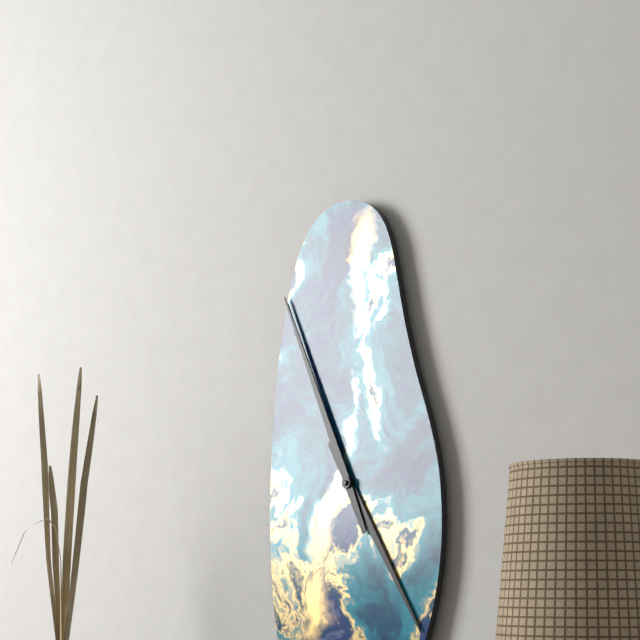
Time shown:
{"hour": 4, "minute": 56}
